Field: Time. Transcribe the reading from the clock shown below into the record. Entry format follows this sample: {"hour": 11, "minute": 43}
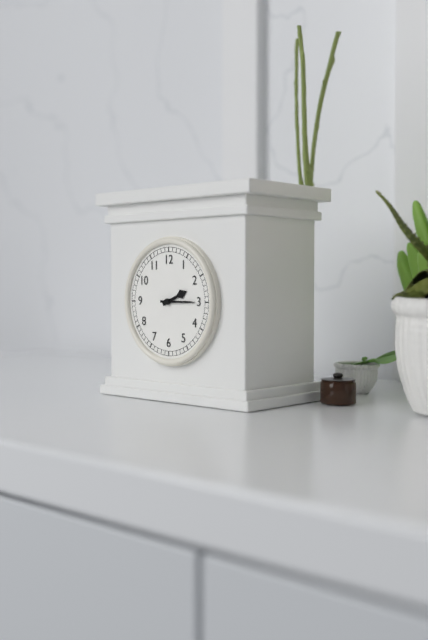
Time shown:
{"hour": 2, "minute": 15}
